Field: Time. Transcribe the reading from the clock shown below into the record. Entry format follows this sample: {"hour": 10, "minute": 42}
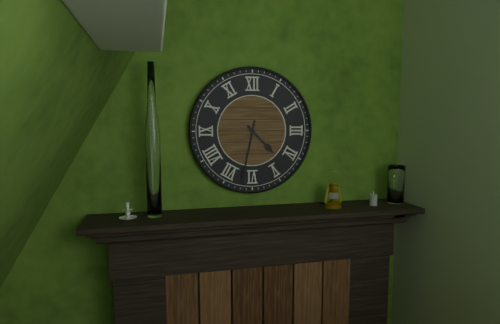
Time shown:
{"hour": 4, "minute": 32}
